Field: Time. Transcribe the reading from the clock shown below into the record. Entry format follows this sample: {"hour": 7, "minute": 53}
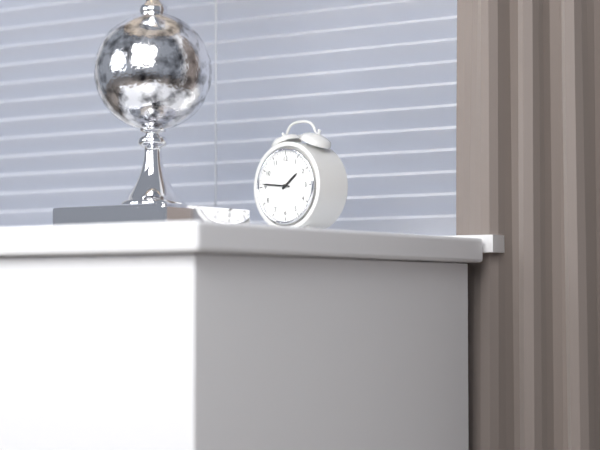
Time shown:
{"hour": 1, "minute": 46}
